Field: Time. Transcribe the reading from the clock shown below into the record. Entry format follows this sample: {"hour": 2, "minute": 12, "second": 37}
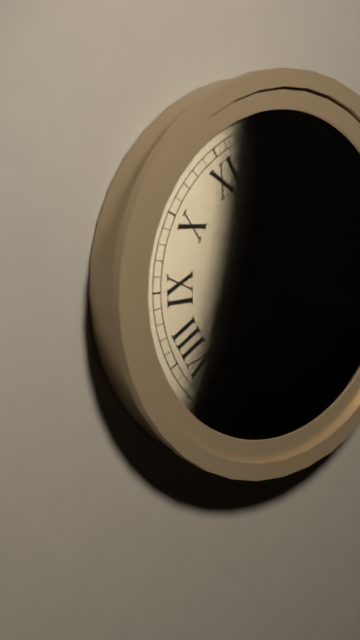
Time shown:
{"hour": 11, "minute": 36, "second": 25}
